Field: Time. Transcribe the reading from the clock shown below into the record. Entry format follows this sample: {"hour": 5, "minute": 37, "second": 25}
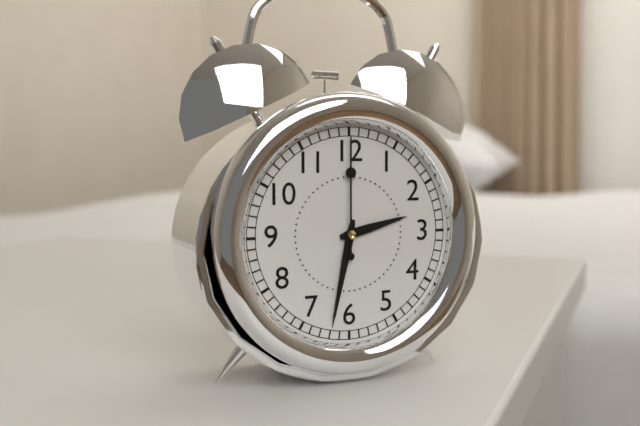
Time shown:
{"hour": 2, "minute": 32, "second": 0}
